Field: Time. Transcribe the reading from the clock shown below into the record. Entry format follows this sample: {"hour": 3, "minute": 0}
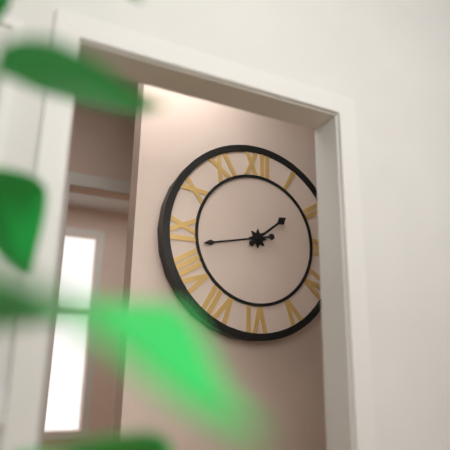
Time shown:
{"hour": 1, "minute": 43}
